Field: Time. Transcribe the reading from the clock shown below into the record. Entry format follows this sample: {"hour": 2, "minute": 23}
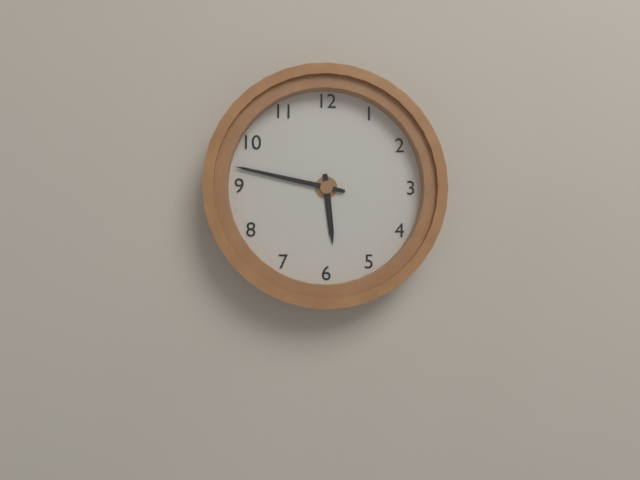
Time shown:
{"hour": 5, "minute": 47}
